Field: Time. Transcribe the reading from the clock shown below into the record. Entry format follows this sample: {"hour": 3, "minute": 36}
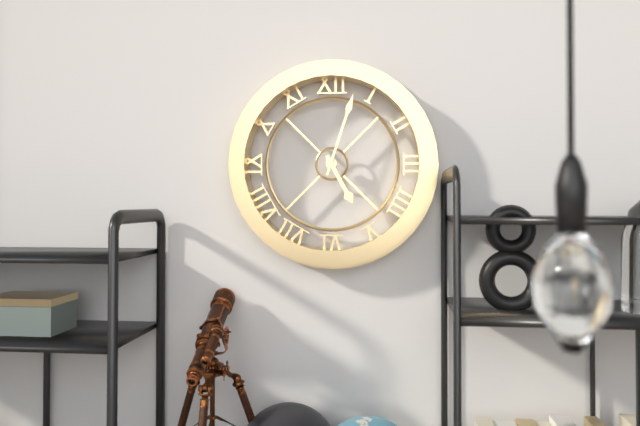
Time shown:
{"hour": 5, "minute": 3}
